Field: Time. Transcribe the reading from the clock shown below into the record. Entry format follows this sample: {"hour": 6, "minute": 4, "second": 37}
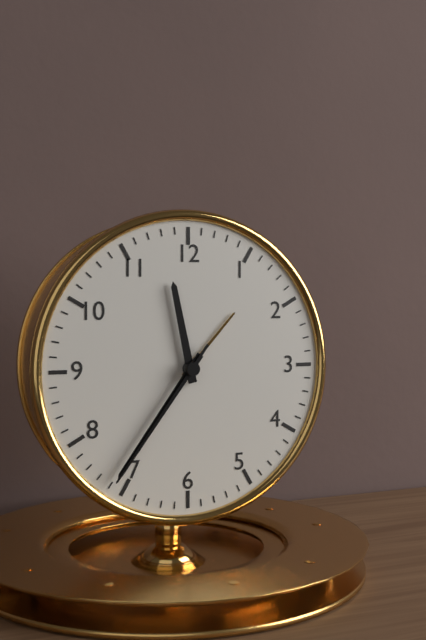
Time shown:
{"hour": 11, "minute": 36, "second": 36}
